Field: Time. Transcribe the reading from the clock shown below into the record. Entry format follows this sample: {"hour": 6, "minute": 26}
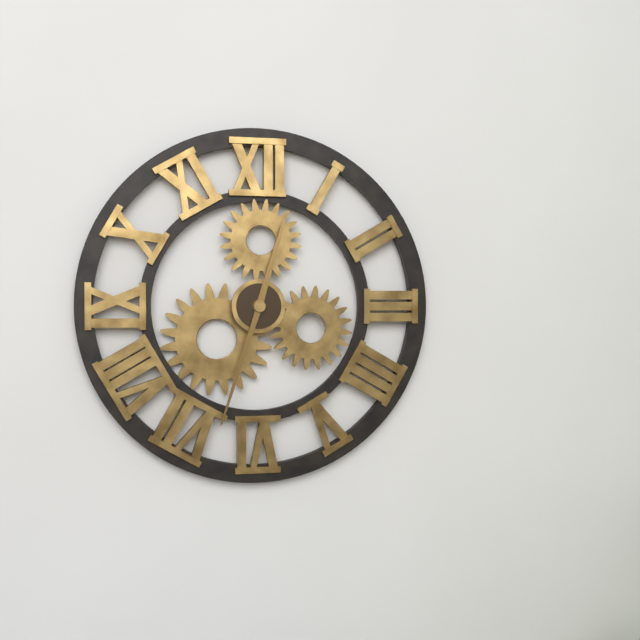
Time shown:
{"hour": 12, "minute": 33}
